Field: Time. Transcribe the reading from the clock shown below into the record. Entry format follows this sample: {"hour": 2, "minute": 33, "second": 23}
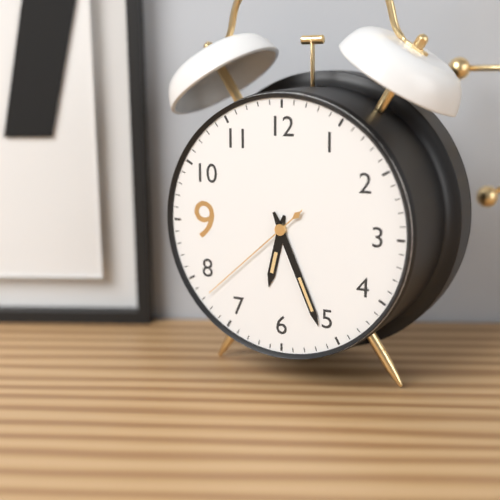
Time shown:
{"hour": 6, "minute": 26, "second": 38}
